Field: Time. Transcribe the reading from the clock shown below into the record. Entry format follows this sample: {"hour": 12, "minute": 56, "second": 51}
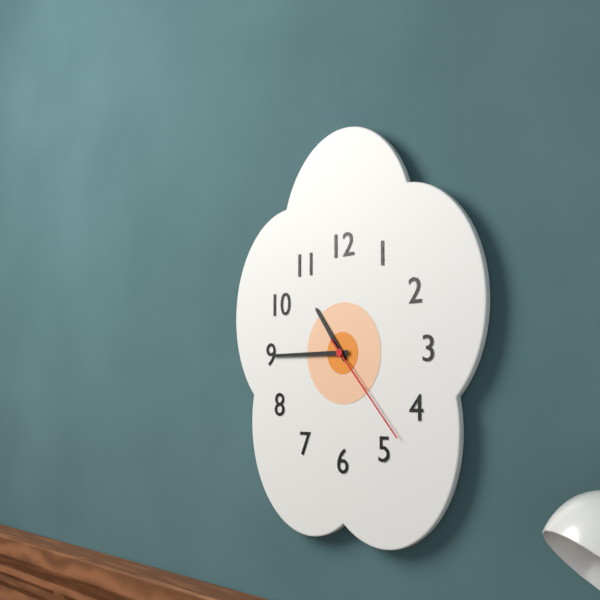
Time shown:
{"hour": 10, "minute": 45, "second": 23}
